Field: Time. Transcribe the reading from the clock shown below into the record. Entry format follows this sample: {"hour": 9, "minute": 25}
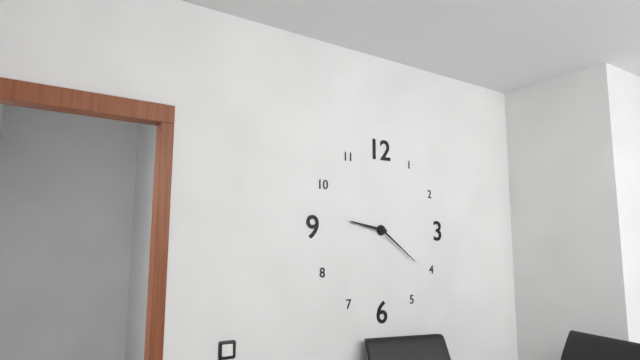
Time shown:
{"hour": 9, "minute": 21}
